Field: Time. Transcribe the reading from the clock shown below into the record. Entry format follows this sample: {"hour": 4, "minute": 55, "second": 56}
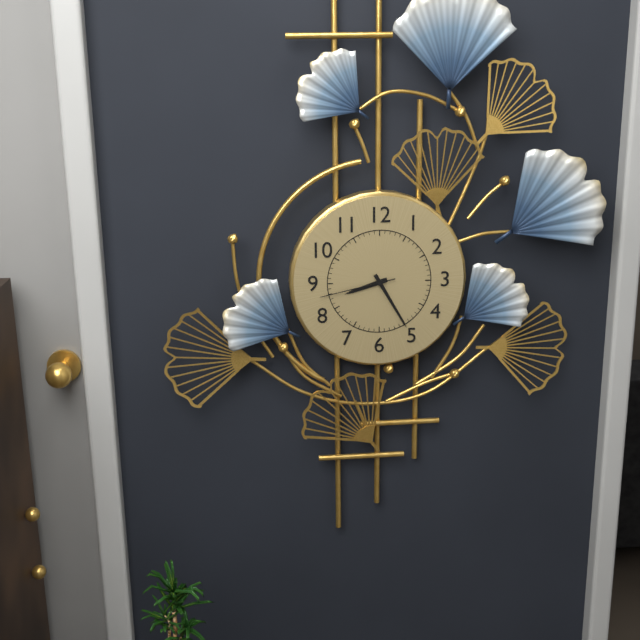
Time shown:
{"hour": 8, "minute": 25, "second": 43}
